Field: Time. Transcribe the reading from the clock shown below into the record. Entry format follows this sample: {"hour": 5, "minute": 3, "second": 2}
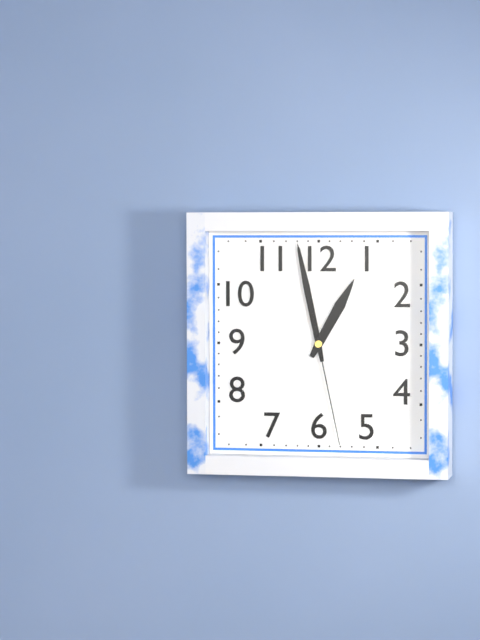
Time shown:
{"hour": 12, "minute": 58, "second": 28}
